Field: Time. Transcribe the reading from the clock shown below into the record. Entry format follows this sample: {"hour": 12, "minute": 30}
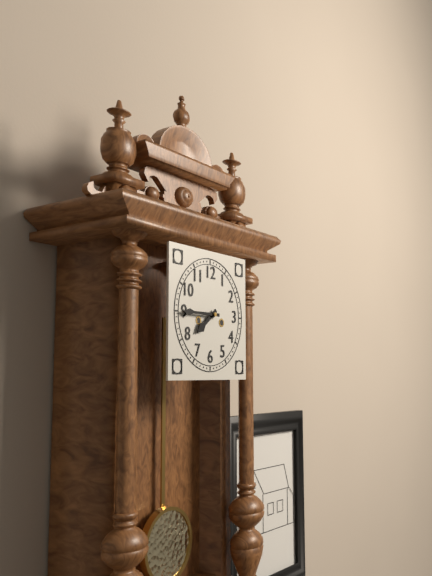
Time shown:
{"hour": 7, "minute": 45}
